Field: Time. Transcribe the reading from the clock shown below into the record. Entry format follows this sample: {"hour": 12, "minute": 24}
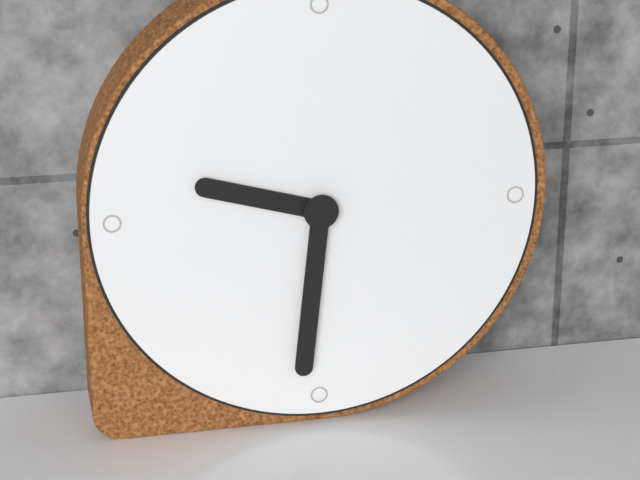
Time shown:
{"hour": 9, "minute": 31}
